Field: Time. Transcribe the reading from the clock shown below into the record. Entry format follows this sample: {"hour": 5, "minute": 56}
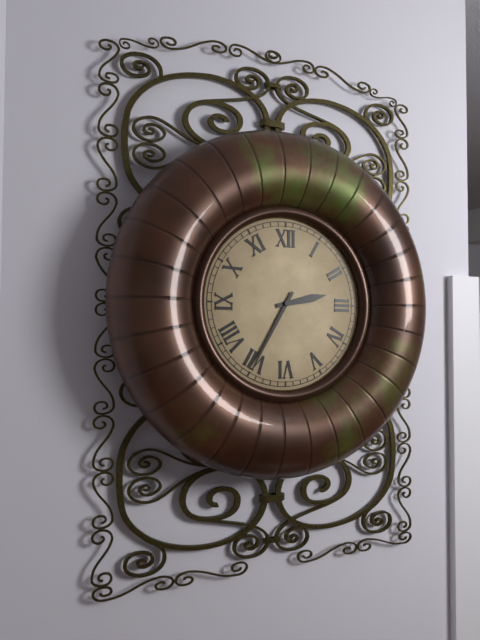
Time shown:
{"hour": 2, "minute": 35}
